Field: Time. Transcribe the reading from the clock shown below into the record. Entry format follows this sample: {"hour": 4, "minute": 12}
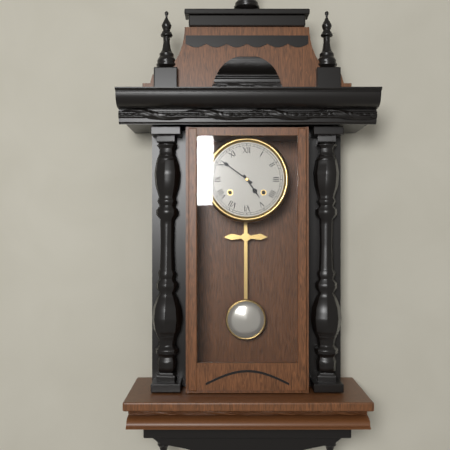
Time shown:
{"hour": 4, "minute": 51}
